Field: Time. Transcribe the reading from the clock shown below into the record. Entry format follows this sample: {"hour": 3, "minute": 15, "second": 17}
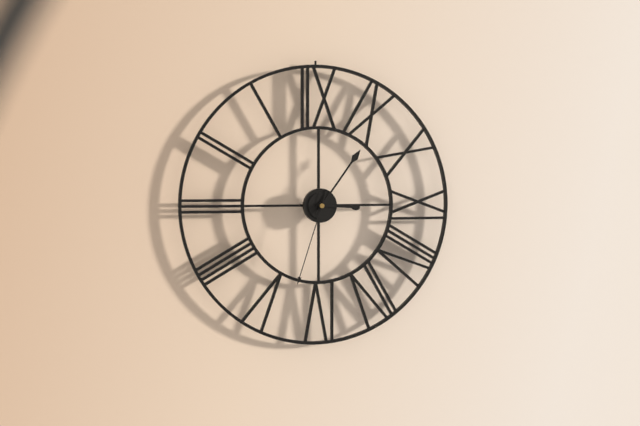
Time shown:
{"hour": 3, "minute": 6, "second": 33}
